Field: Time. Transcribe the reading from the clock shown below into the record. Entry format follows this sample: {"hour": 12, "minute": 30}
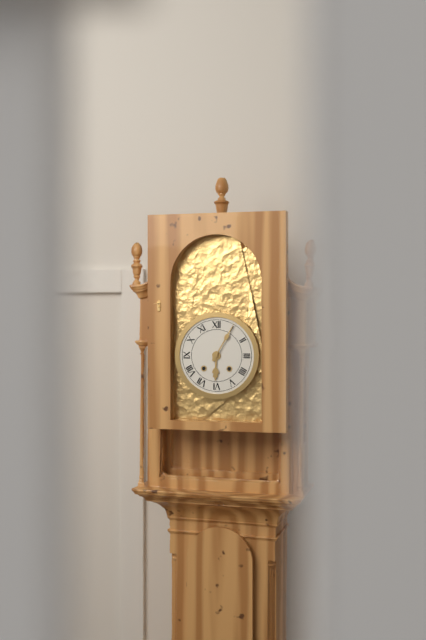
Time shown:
{"hour": 6, "minute": 5}
